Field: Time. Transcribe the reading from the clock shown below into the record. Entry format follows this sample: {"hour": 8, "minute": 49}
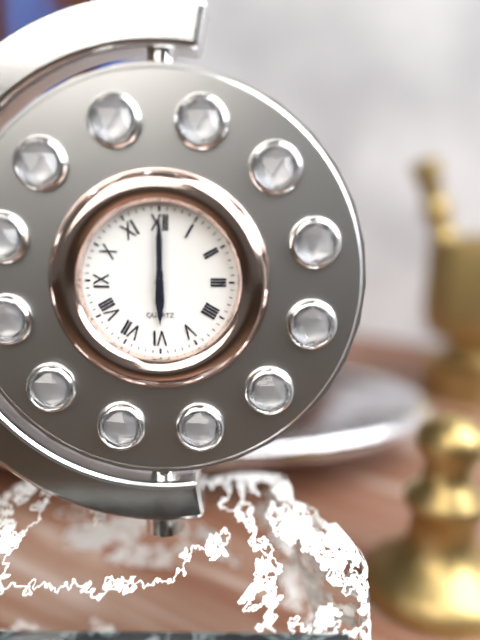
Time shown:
{"hour": 6, "minute": 0}
